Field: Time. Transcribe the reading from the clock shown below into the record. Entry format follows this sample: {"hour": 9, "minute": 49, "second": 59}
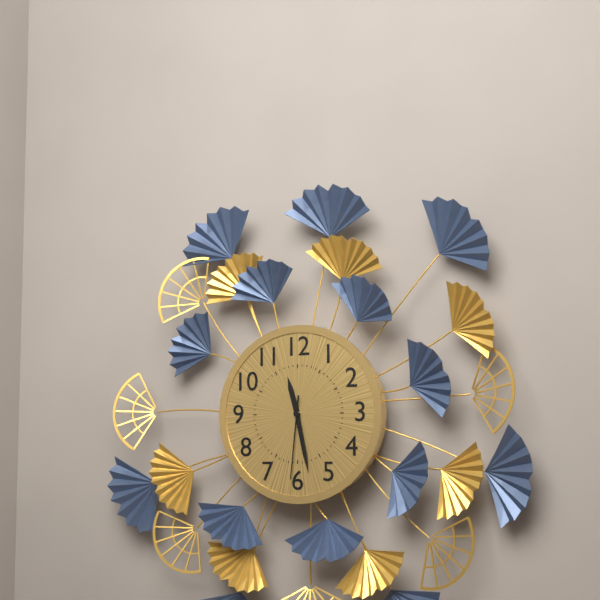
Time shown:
{"hour": 11, "minute": 28, "second": 31}
